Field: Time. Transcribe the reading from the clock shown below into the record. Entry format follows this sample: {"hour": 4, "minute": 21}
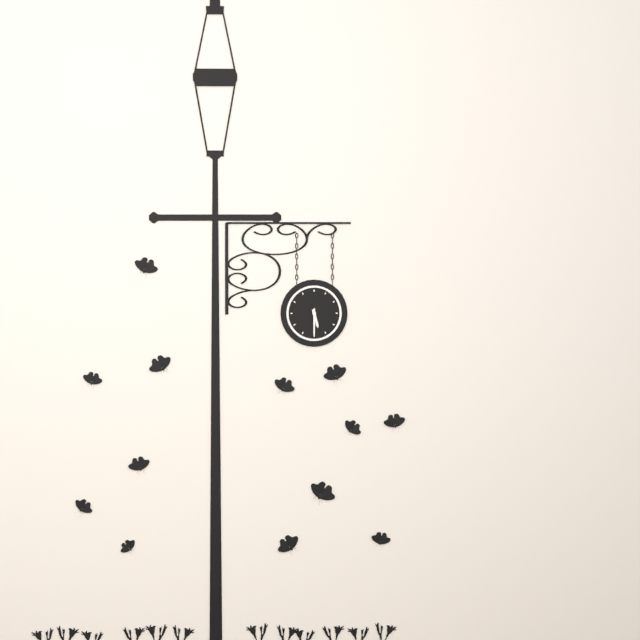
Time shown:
{"hour": 5, "minute": 30}
